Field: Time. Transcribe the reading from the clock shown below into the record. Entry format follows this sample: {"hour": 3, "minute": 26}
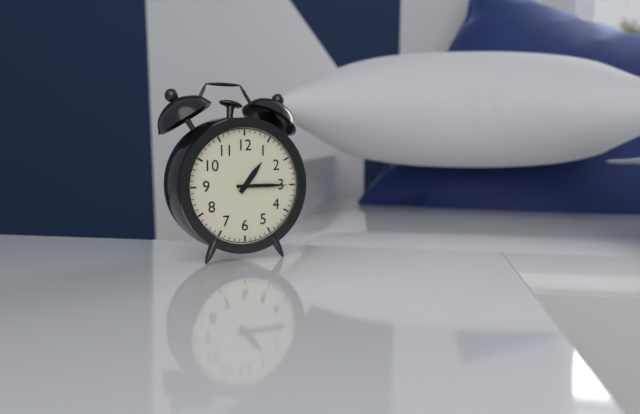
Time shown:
{"hour": 1, "minute": 15}
